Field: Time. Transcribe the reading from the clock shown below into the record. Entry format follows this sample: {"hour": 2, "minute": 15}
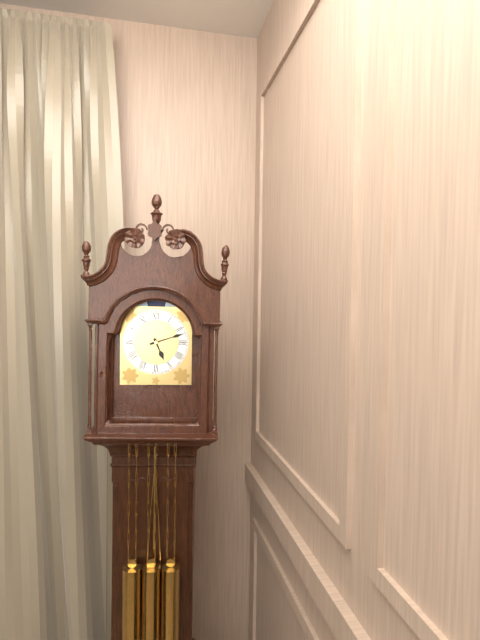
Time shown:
{"hour": 5, "minute": 12}
